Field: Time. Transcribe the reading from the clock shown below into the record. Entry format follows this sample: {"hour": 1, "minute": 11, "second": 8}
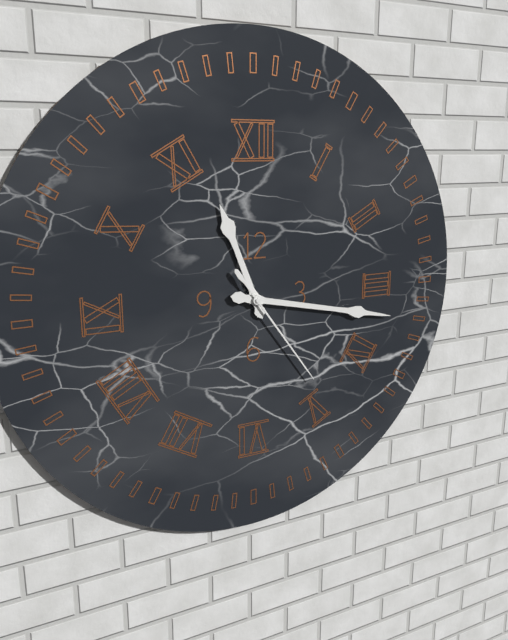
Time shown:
{"hour": 11, "minute": 17, "second": 24}
